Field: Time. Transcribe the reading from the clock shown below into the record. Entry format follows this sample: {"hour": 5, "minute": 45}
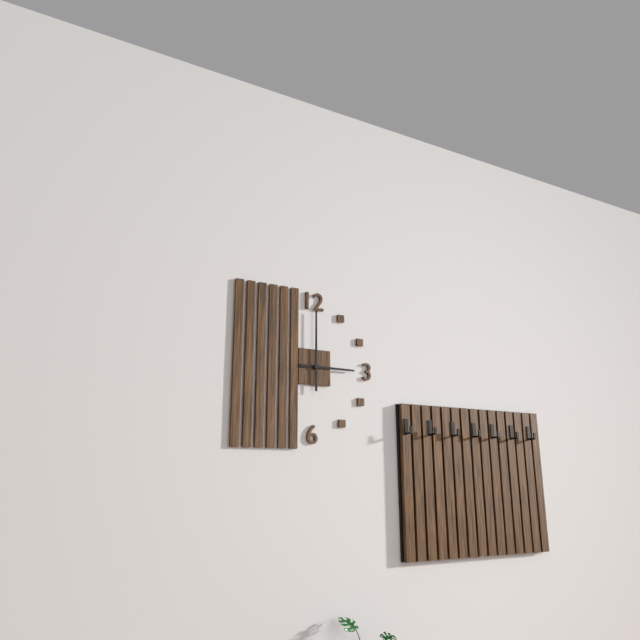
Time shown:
{"hour": 3, "minute": 0}
